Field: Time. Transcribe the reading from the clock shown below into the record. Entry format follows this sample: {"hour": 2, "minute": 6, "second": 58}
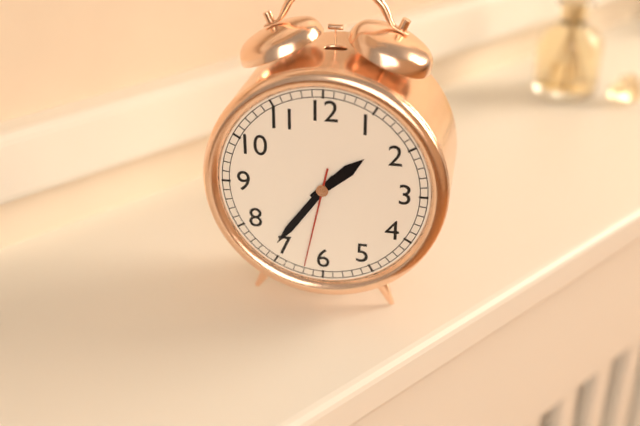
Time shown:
{"hour": 1, "minute": 36, "second": 32}
